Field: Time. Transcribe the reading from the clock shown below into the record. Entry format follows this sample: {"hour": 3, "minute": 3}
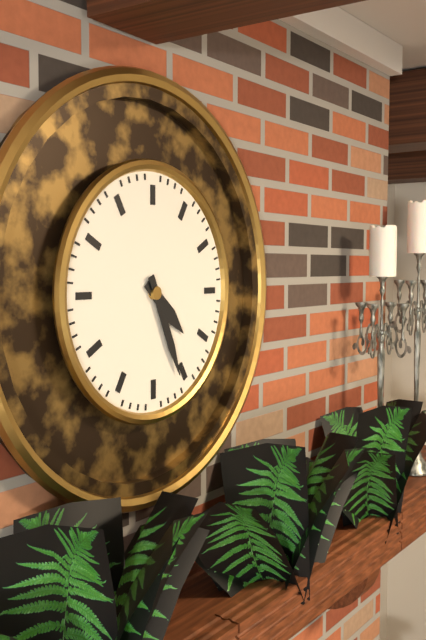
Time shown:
{"hour": 4, "minute": 26}
